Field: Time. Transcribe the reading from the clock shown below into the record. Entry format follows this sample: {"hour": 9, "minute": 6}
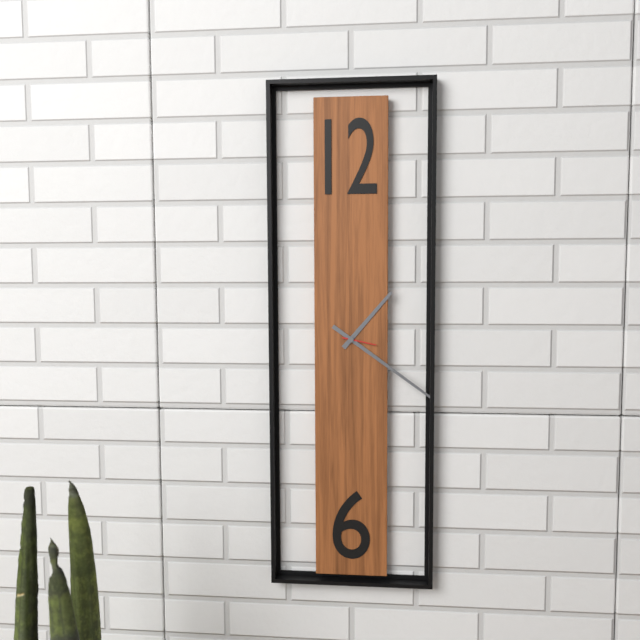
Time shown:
{"hour": 1, "minute": 21}
